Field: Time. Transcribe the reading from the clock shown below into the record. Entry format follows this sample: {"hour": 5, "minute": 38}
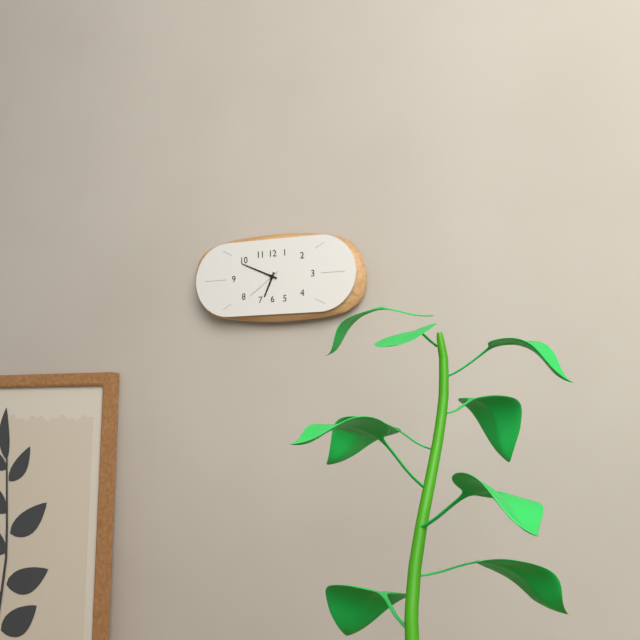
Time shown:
{"hour": 6, "minute": 49}
